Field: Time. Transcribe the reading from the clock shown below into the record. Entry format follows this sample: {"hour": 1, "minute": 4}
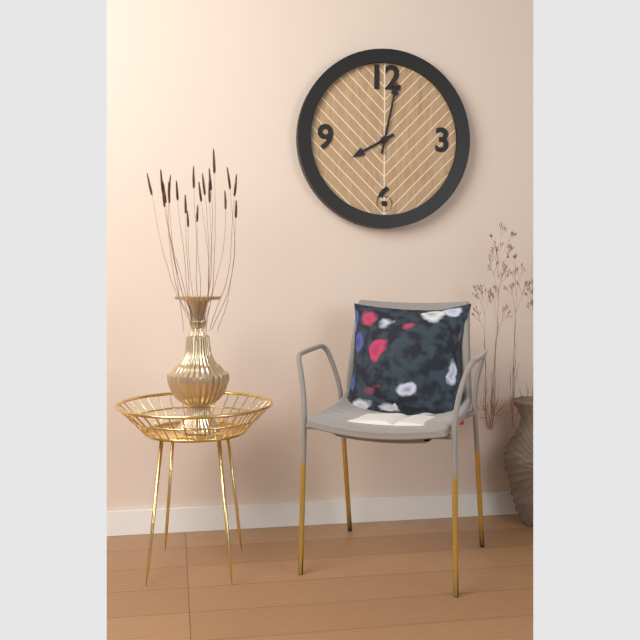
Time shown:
{"hour": 8, "minute": 2}
